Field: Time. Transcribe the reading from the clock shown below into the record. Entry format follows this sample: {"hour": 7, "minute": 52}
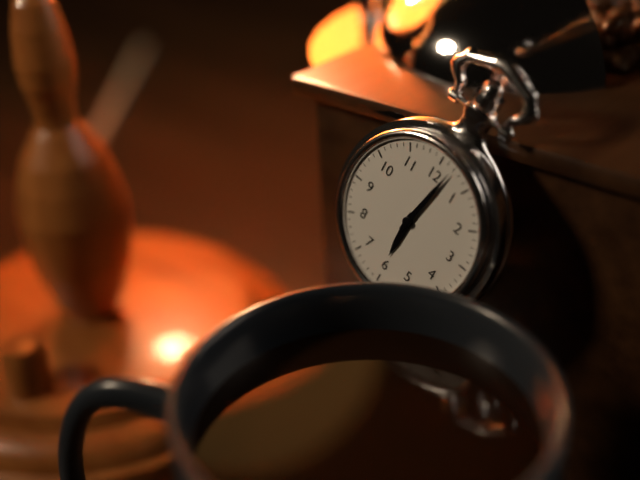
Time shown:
{"hour": 6, "minute": 2}
